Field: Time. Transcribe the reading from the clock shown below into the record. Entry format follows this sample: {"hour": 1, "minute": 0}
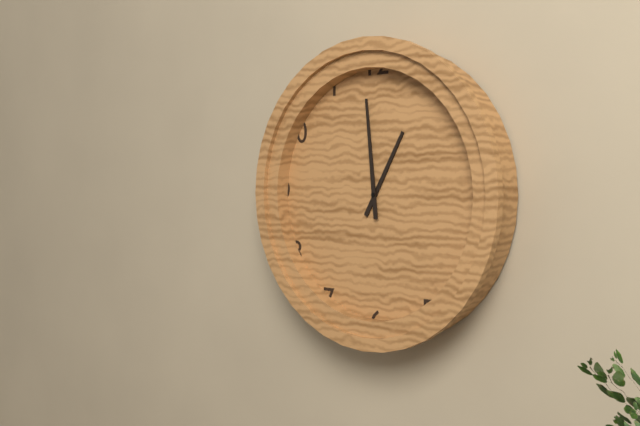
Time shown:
{"hour": 12, "minute": 59}
